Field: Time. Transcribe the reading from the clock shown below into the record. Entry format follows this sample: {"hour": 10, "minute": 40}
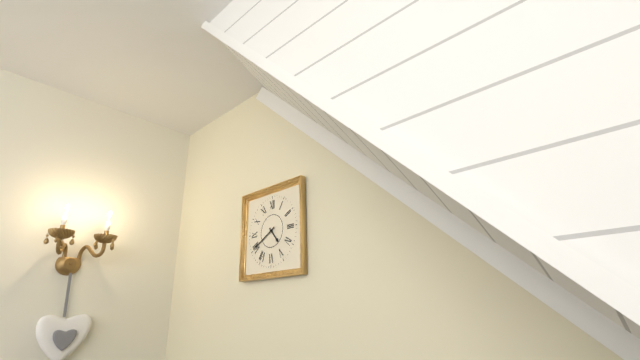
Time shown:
{"hour": 4, "minute": 40}
